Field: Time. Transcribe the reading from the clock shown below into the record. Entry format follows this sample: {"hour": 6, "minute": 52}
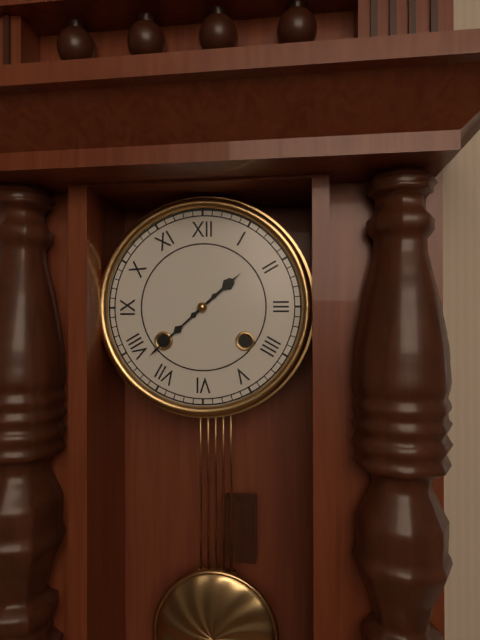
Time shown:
{"hour": 1, "minute": 38}
